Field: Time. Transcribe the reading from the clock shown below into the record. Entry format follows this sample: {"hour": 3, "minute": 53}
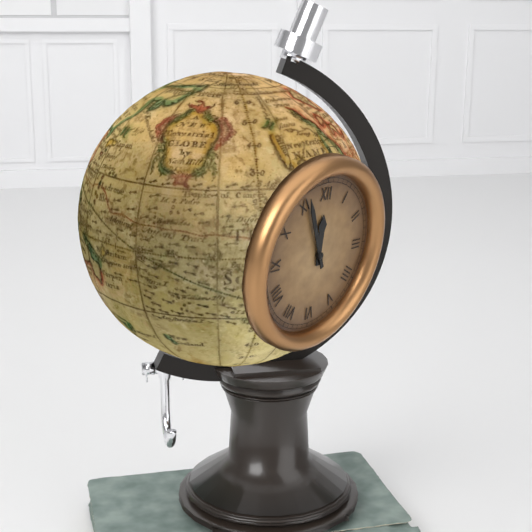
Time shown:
{"hour": 11, "minute": 56}
